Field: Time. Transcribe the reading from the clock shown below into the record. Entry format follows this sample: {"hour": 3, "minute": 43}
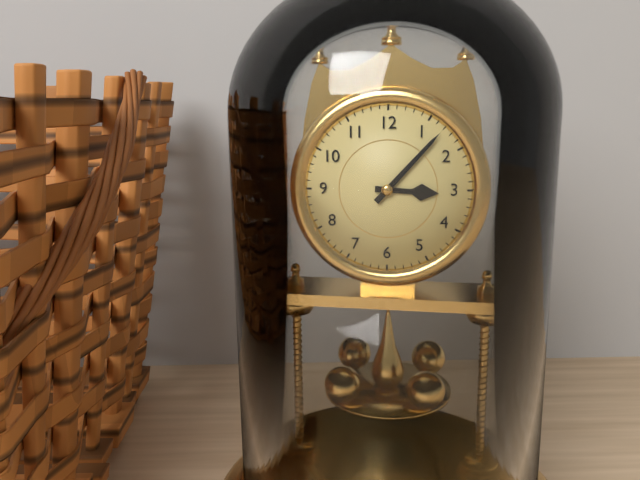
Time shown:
{"hour": 3, "minute": 7}
